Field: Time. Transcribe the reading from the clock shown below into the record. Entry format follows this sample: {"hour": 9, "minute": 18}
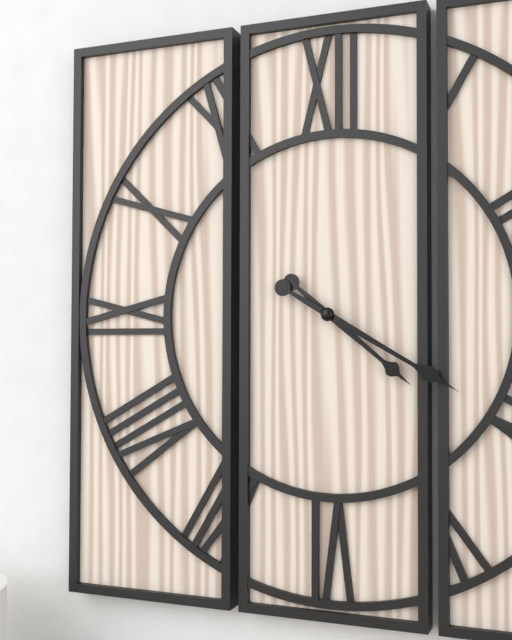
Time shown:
{"hour": 4, "minute": 20}
